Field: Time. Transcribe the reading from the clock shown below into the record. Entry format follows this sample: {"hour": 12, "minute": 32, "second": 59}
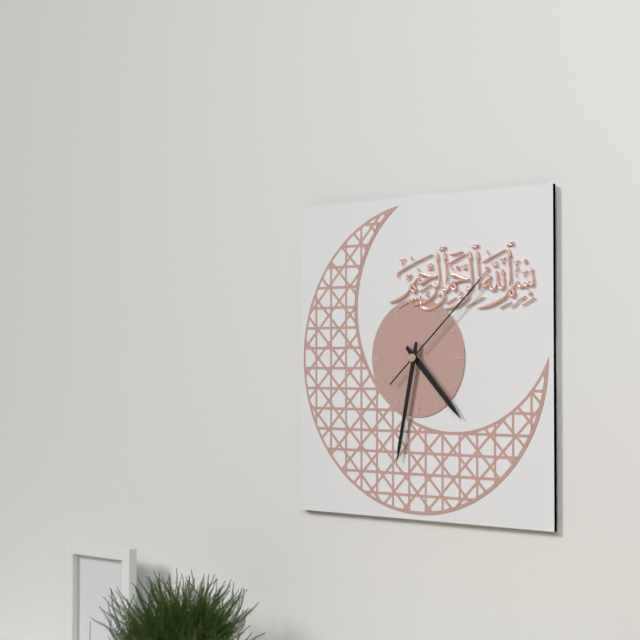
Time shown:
{"hour": 4, "minute": 32, "second": 8}
